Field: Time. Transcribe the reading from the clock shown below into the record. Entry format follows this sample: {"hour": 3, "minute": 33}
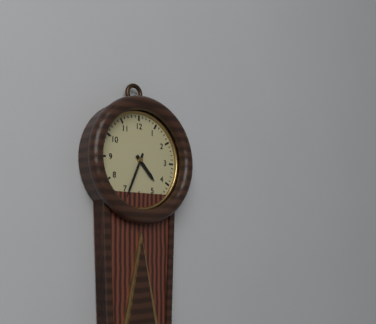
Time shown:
{"hour": 4, "minute": 34}
